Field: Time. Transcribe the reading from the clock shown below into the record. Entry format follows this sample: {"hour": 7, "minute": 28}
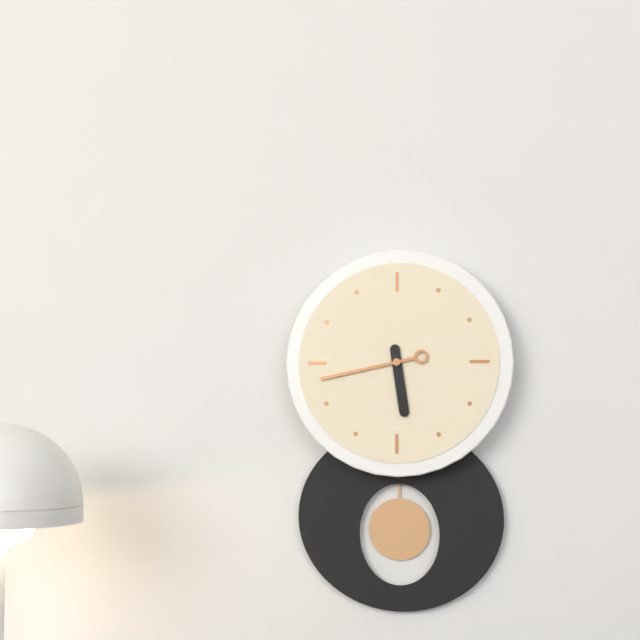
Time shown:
{"hour": 5, "minute": 43}
